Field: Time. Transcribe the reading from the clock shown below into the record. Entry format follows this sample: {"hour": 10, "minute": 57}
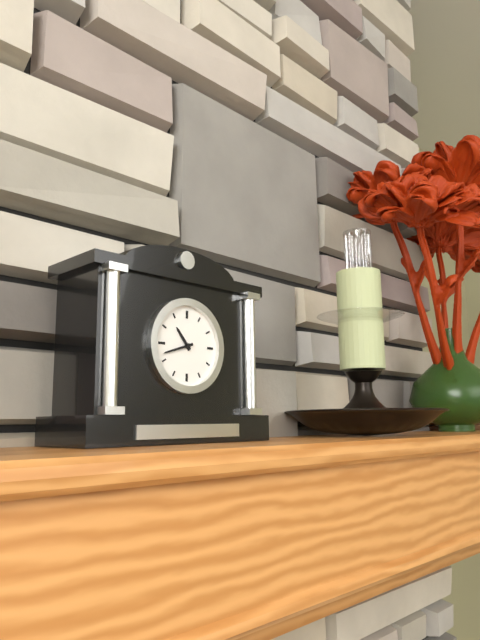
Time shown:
{"hour": 10, "minute": 42}
